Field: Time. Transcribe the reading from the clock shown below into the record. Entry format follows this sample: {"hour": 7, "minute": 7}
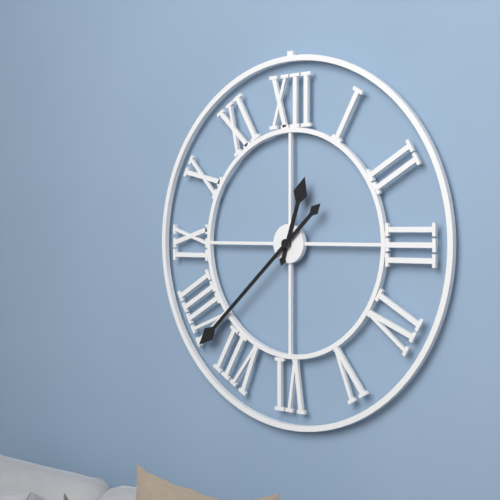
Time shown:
{"hour": 12, "minute": 38}
